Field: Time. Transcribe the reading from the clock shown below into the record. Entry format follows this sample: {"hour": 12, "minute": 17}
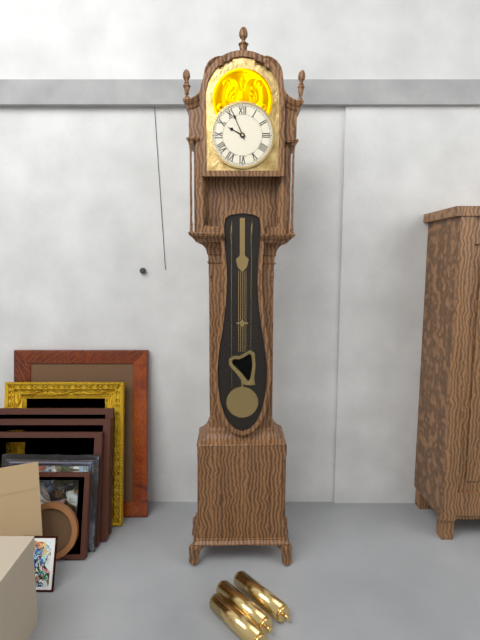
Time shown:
{"hour": 9, "minute": 56}
